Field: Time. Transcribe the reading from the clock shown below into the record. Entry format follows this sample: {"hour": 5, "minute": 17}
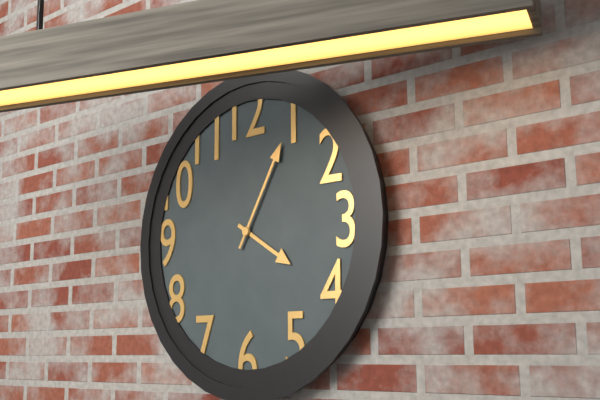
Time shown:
{"hour": 4, "minute": 5}
